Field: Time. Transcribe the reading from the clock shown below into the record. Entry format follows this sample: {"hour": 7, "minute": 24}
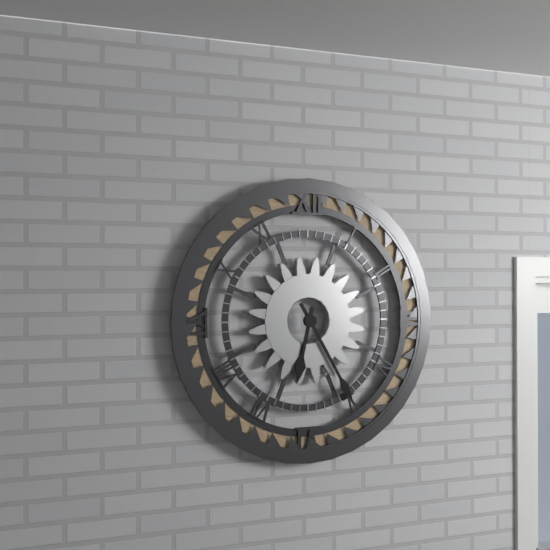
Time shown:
{"hour": 6, "minute": 25}
